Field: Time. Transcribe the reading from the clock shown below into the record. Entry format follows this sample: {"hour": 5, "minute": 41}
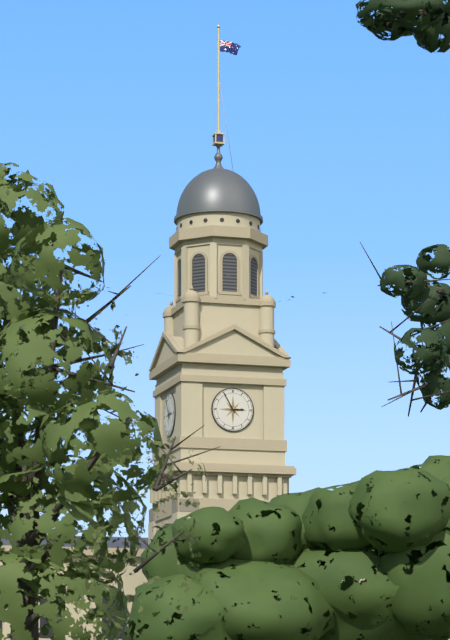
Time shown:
{"hour": 2, "minute": 55}
